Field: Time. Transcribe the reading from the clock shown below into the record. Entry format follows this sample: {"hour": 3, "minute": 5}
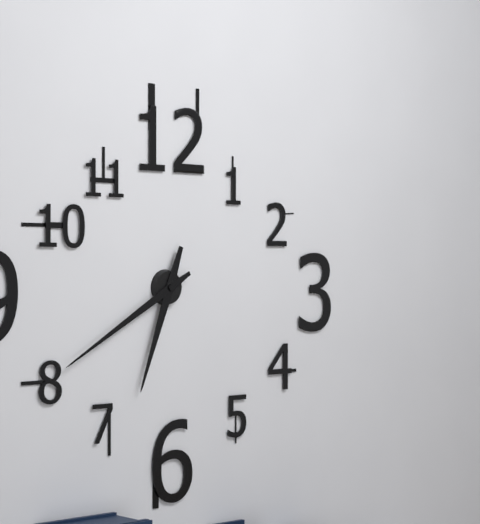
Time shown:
{"hour": 6, "minute": 40}
